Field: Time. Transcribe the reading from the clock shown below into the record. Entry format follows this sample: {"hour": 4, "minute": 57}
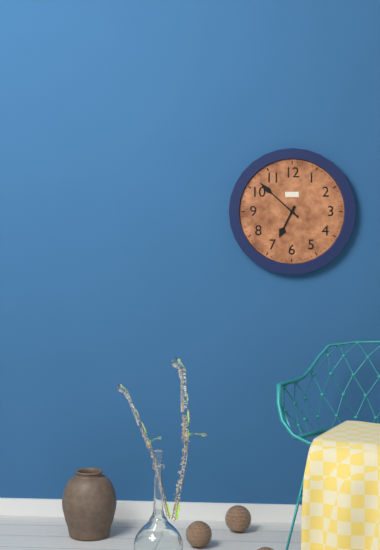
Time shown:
{"hour": 6, "minute": 52}
